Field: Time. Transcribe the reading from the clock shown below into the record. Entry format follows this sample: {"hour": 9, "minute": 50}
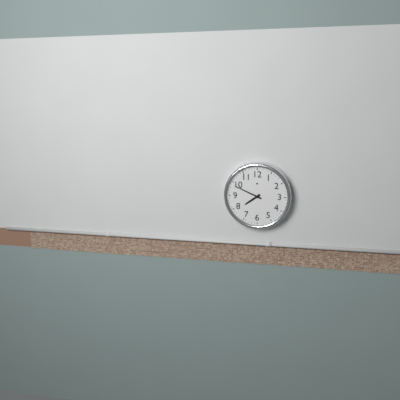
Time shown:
{"hour": 7, "minute": 49}
